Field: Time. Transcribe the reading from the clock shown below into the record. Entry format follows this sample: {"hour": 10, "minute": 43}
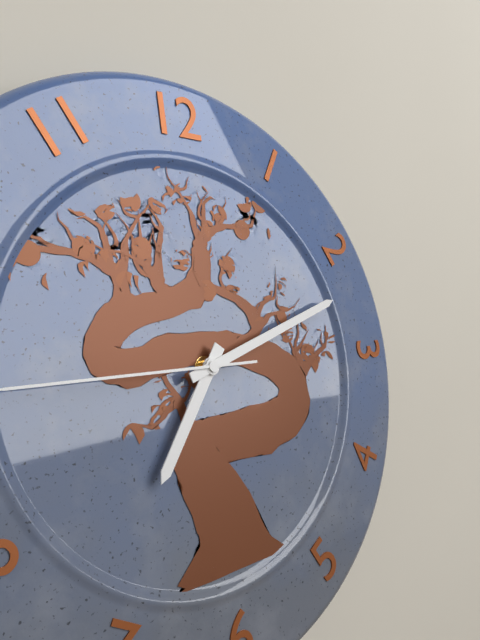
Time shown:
{"hour": 7, "minute": 12}
